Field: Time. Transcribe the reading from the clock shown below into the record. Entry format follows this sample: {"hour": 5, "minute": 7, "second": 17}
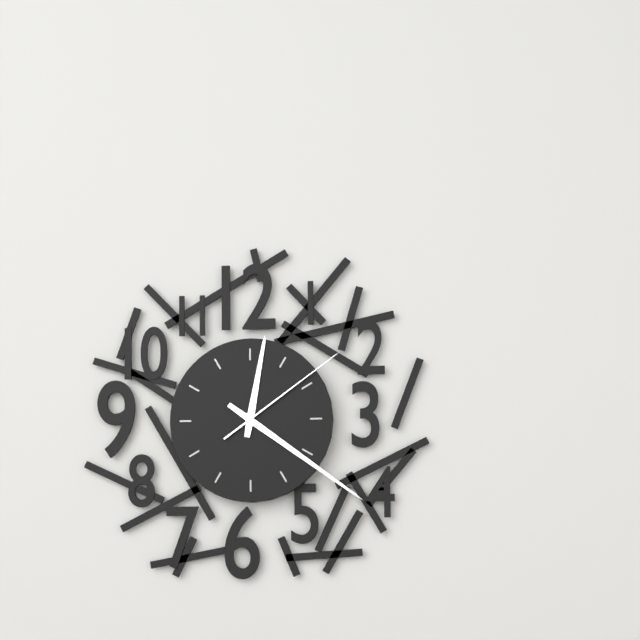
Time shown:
{"hour": 12, "minute": 21, "second": 9}
